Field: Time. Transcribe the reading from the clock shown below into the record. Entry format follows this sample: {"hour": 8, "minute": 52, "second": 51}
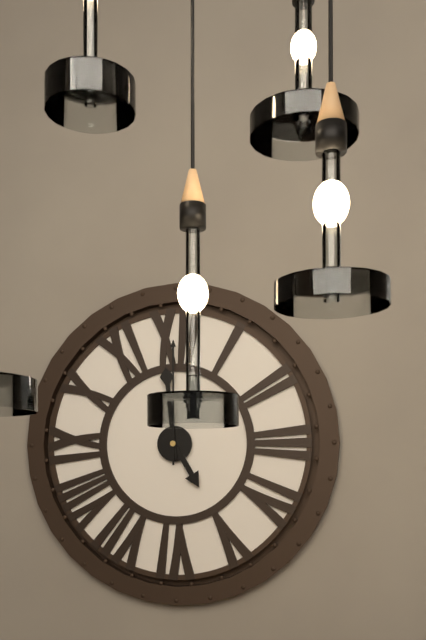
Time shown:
{"hour": 4, "minute": 59, "second": 0}
